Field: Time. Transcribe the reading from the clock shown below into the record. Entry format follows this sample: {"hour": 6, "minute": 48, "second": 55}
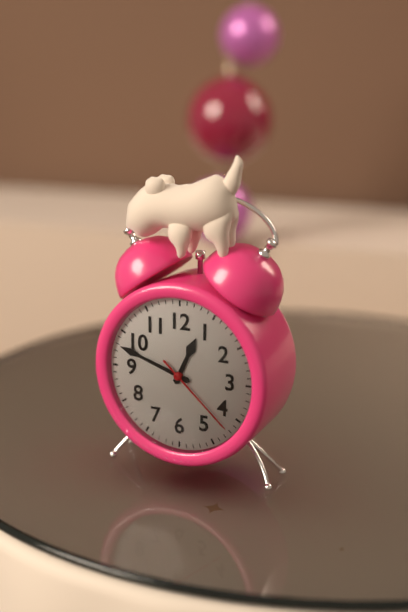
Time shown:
{"hour": 12, "minute": 48, "second": 22}
